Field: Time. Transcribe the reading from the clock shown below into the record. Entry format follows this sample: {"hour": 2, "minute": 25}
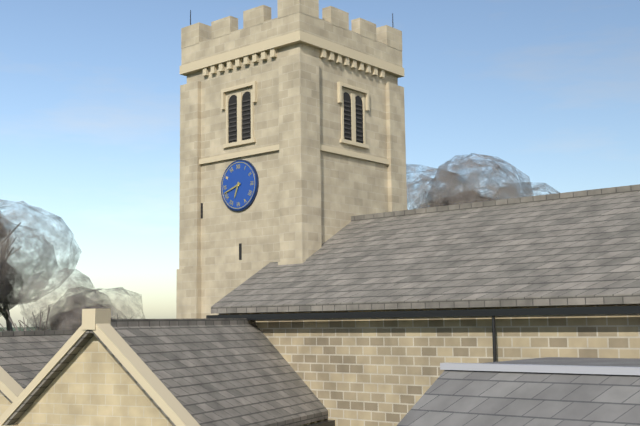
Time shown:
{"hour": 6, "minute": 42}
